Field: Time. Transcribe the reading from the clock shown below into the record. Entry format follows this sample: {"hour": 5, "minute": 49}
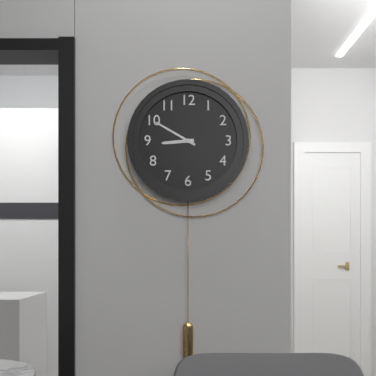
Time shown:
{"hour": 8, "minute": 50}
